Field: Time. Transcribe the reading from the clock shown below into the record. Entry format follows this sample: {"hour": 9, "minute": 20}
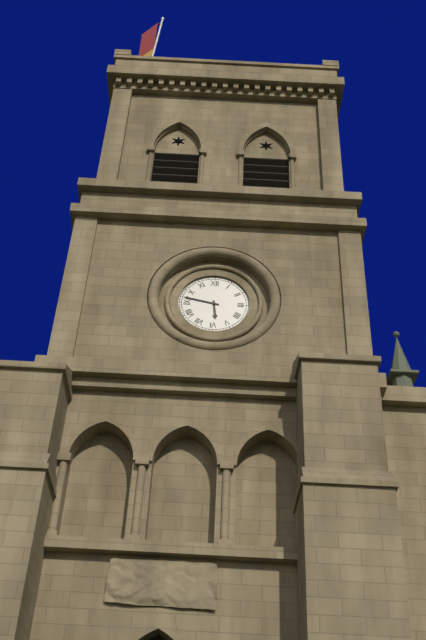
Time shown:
{"hour": 5, "minute": 47}
